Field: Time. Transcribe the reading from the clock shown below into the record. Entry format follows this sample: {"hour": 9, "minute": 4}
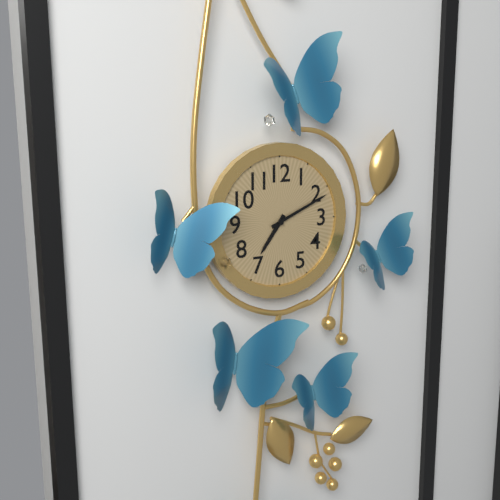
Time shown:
{"hour": 7, "minute": 11}
